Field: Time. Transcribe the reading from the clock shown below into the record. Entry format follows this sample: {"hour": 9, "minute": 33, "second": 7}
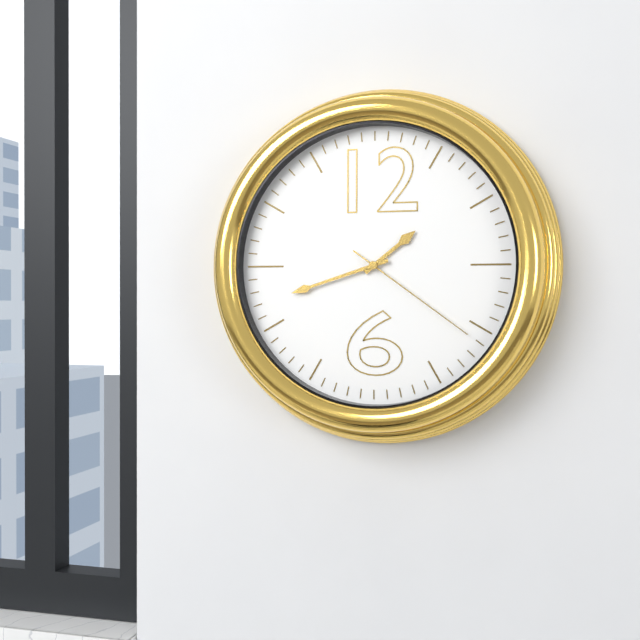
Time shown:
{"hour": 1, "minute": 42, "second": 21}
